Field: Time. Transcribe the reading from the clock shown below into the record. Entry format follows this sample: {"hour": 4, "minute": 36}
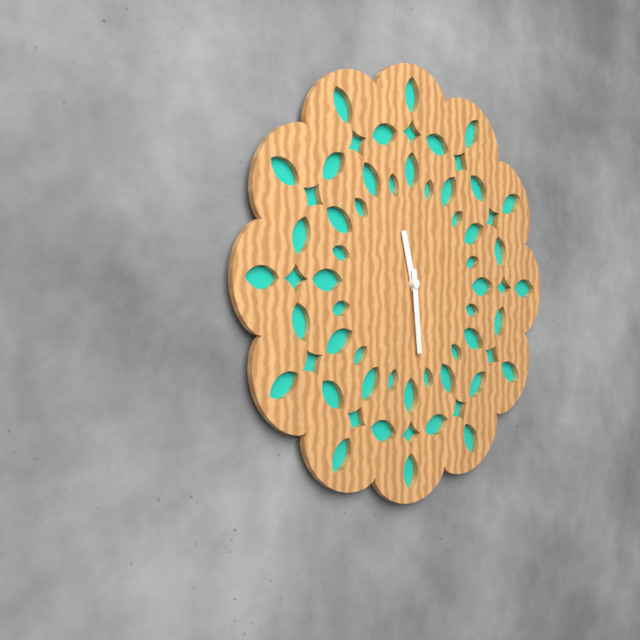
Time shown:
{"hour": 11, "minute": 29}
